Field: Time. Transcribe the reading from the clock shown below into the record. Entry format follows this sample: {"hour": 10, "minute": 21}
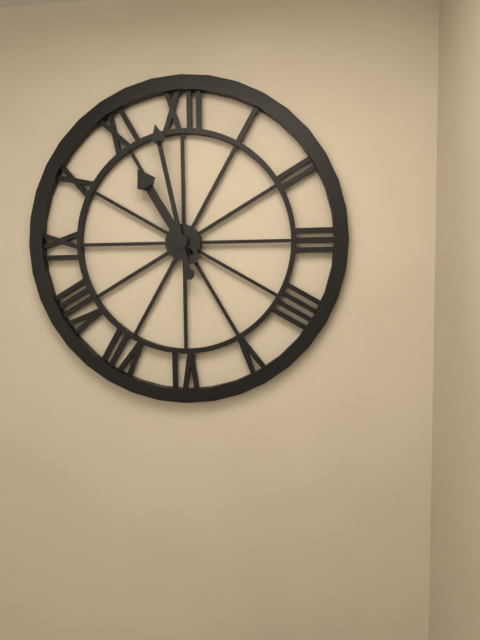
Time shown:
{"hour": 10, "minute": 58}
